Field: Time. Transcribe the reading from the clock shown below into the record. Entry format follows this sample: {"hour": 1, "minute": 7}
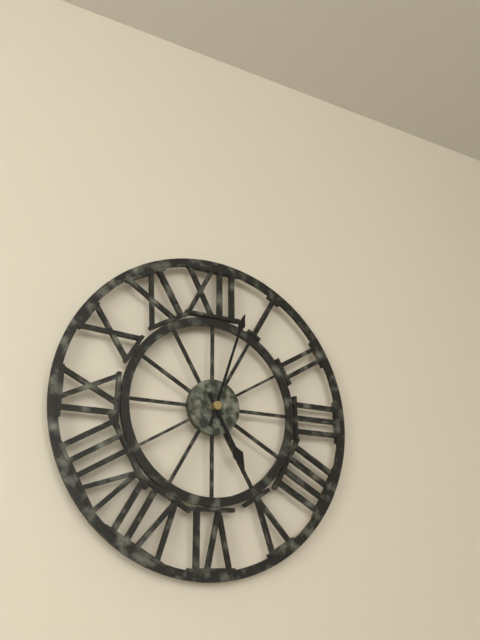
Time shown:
{"hour": 5, "minute": 3}
